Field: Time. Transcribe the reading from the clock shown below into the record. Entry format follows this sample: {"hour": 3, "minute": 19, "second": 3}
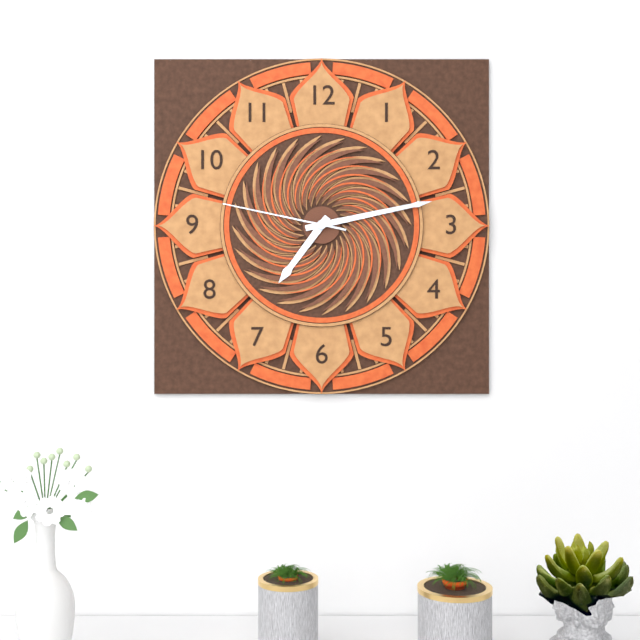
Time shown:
{"hour": 7, "minute": 13, "second": 47}
